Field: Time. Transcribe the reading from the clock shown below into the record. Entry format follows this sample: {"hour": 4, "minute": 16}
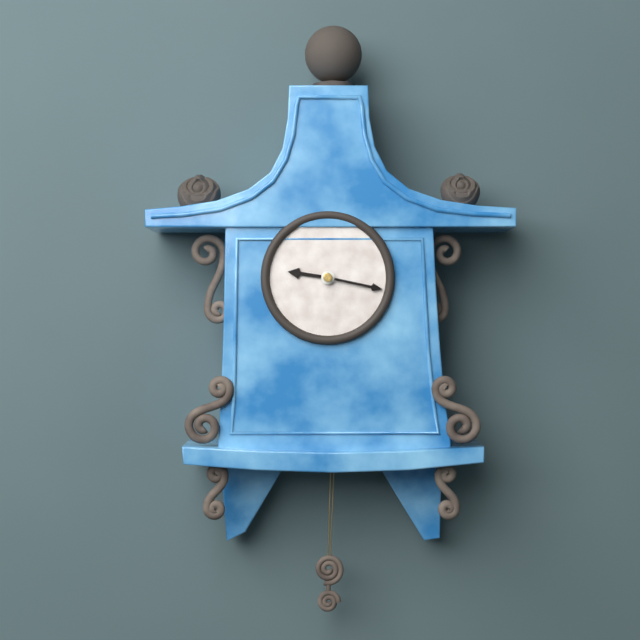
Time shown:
{"hour": 9, "minute": 17}
